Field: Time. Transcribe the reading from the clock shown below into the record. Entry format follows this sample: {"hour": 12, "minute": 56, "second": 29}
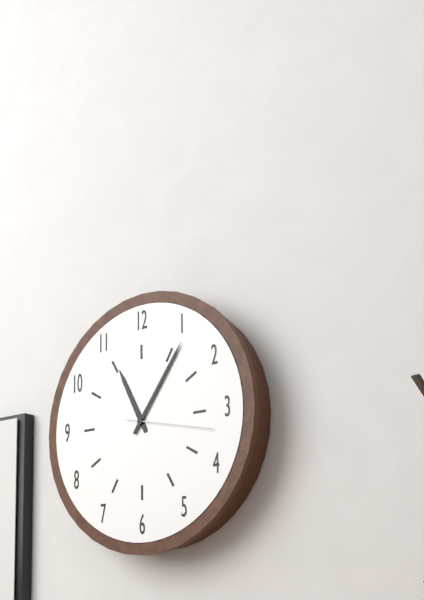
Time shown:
{"hour": 11, "minute": 6, "second": 17}
